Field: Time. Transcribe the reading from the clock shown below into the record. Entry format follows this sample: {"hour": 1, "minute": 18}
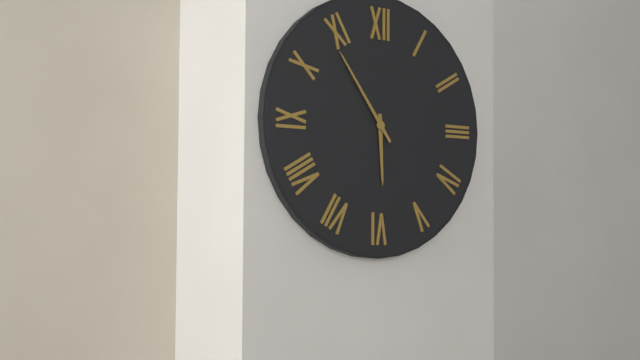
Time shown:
{"hour": 5, "minute": 54}
